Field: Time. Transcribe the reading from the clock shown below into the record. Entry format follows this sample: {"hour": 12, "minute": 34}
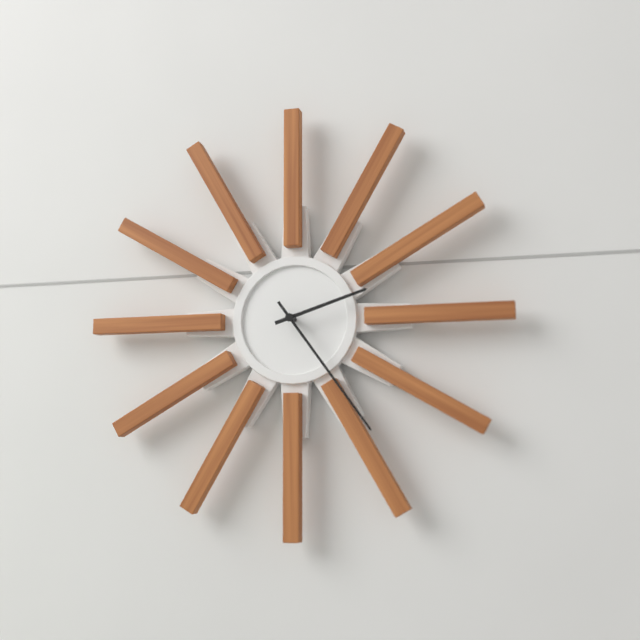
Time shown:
{"hour": 2, "minute": 24}
